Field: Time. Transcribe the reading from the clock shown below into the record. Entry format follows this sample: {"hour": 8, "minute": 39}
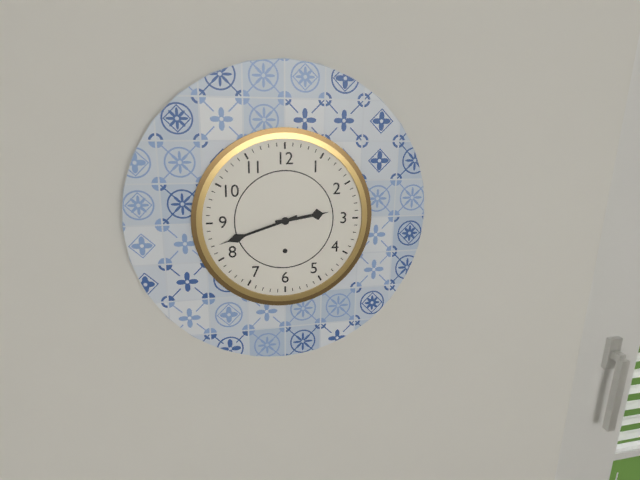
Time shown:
{"hour": 2, "minute": 42}
